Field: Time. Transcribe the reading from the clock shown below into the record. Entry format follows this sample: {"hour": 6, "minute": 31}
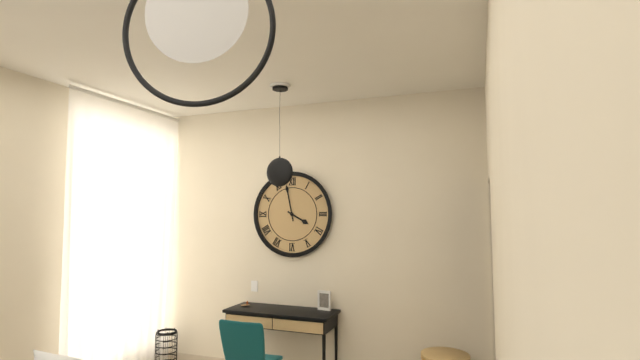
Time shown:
{"hour": 3, "minute": 58}
